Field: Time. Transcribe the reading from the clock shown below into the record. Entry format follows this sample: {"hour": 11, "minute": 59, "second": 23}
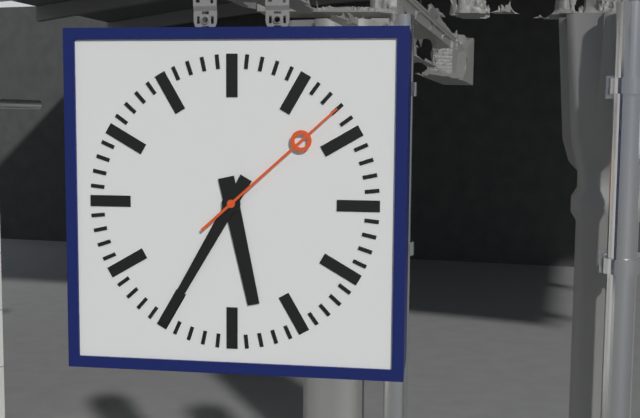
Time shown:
{"hour": 5, "minute": 35, "second": 8}
